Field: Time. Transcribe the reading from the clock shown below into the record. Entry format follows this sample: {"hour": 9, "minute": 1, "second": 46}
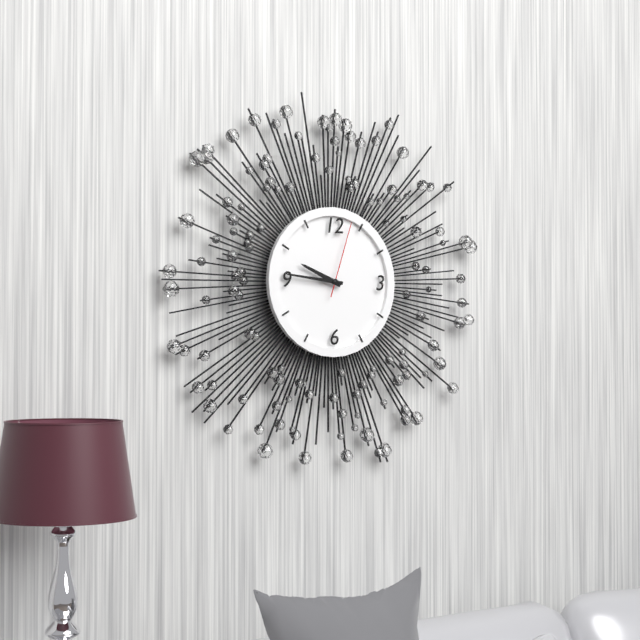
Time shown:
{"hour": 9, "minute": 46, "second": 3}
